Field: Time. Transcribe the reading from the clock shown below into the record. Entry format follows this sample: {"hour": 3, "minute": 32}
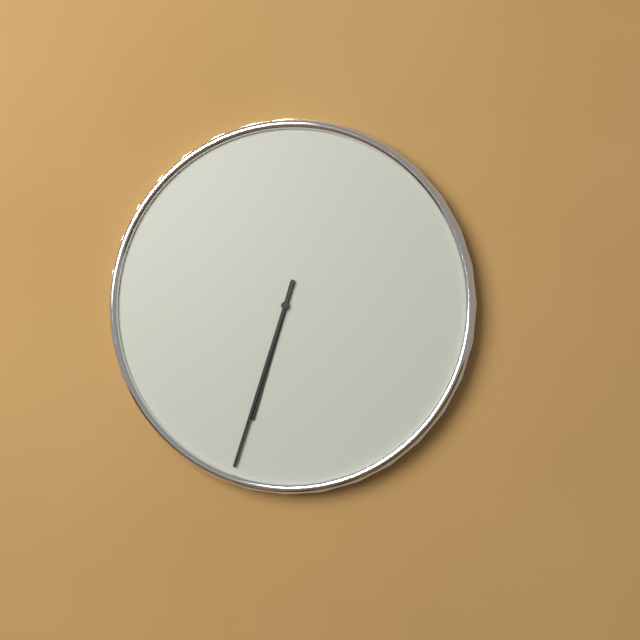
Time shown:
{"hour": 6, "minute": 33}
